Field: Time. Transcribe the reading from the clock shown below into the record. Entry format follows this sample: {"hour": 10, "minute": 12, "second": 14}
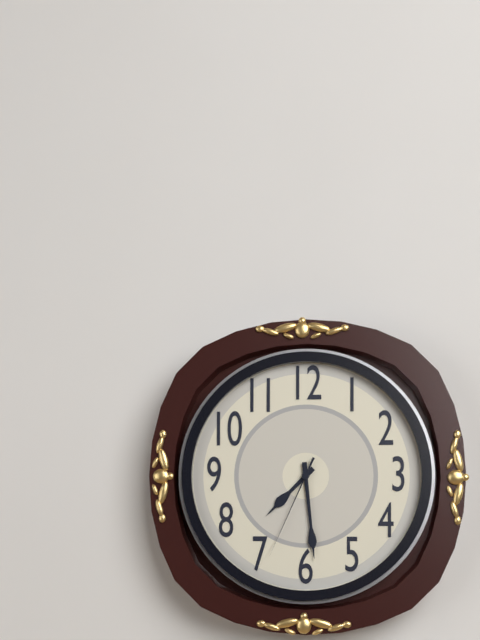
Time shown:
{"hour": 7, "minute": 29, "second": 34}
